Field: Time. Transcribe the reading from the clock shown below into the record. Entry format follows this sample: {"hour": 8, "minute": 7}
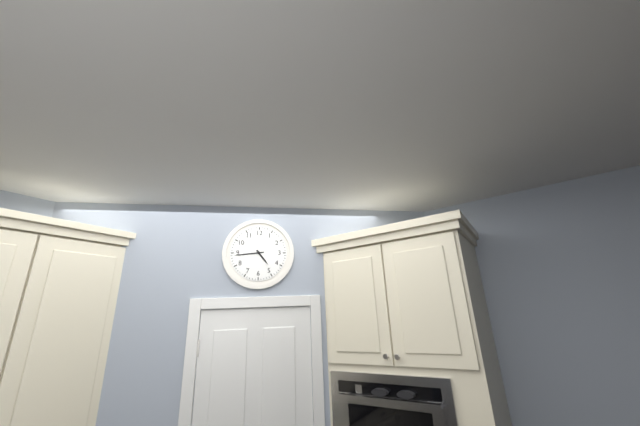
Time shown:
{"hour": 4, "minute": 44}
